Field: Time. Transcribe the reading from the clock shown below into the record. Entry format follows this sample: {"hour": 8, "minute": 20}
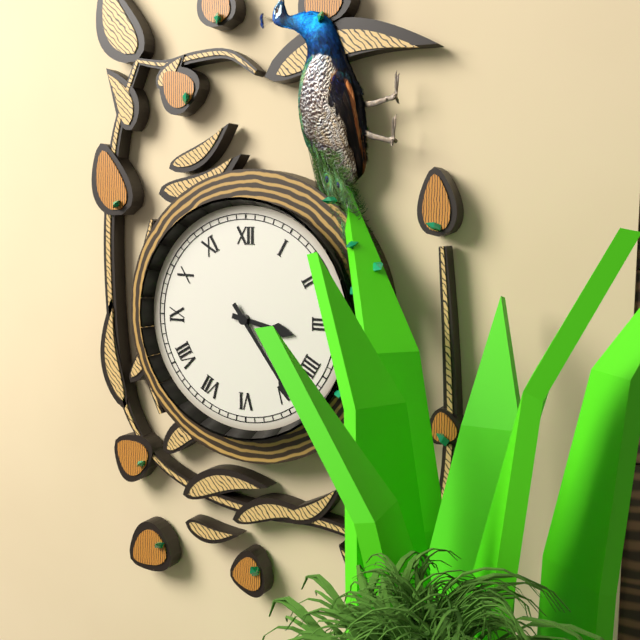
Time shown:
{"hour": 3, "minute": 24}
